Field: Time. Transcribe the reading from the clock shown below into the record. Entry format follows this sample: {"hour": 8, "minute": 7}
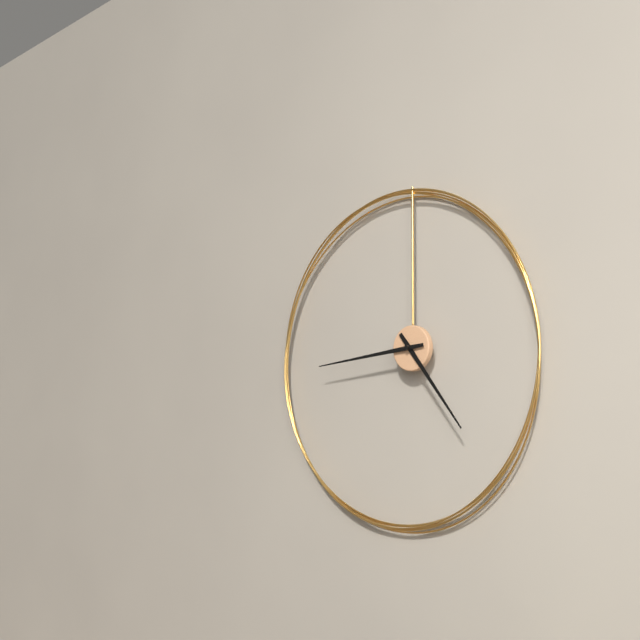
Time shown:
{"hour": 4, "minute": 44}
